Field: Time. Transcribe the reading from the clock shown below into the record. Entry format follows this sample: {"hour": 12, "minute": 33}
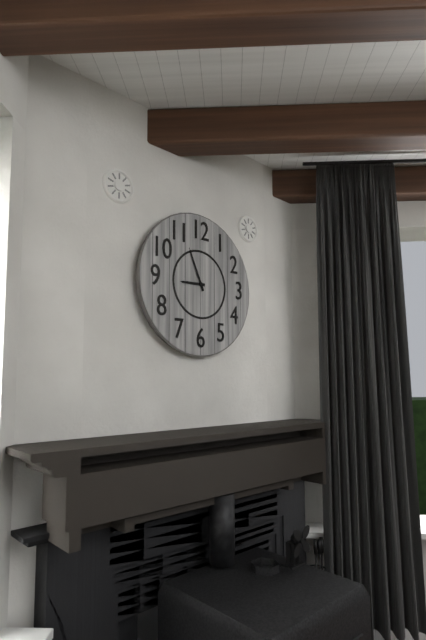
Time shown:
{"hour": 8, "minute": 56}
